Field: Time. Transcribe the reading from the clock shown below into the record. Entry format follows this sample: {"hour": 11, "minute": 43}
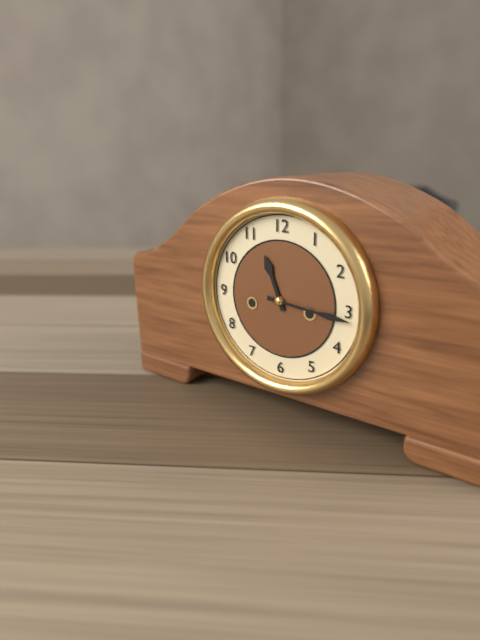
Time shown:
{"hour": 11, "minute": 16}
